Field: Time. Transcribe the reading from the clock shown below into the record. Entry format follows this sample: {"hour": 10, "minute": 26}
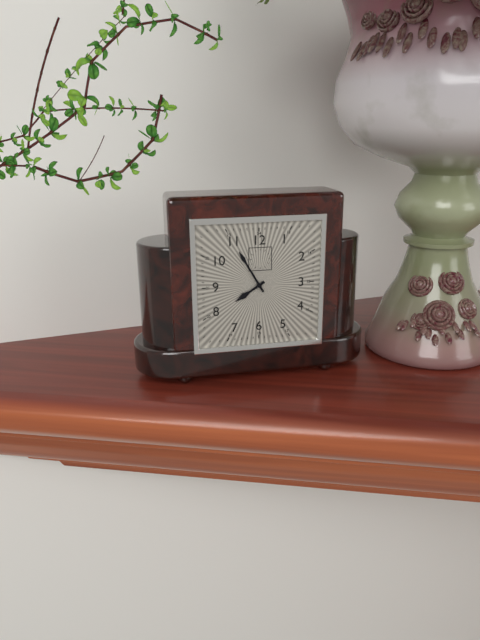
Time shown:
{"hour": 7, "minute": 55}
